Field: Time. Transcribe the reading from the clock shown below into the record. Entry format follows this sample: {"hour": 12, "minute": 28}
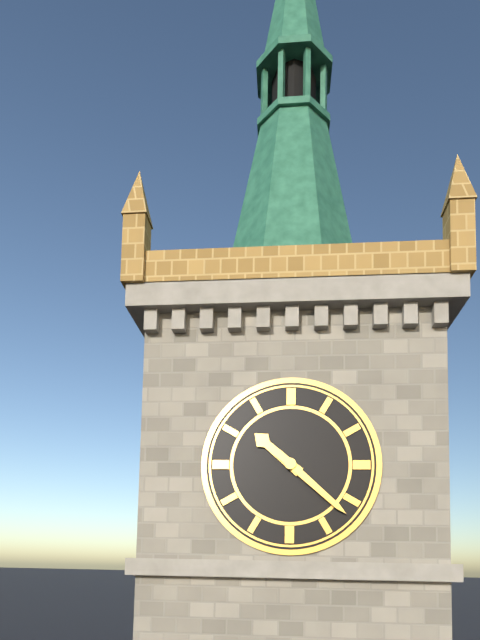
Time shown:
{"hour": 10, "minute": 22}
